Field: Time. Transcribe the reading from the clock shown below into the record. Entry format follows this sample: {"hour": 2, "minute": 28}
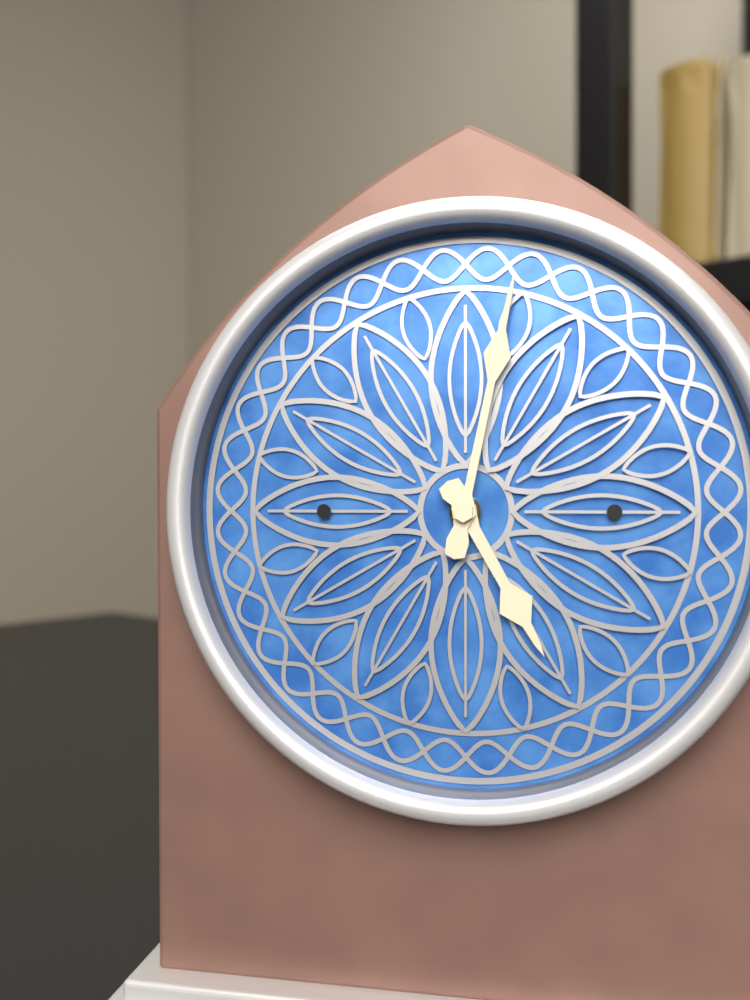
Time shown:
{"hour": 5, "minute": 2}
